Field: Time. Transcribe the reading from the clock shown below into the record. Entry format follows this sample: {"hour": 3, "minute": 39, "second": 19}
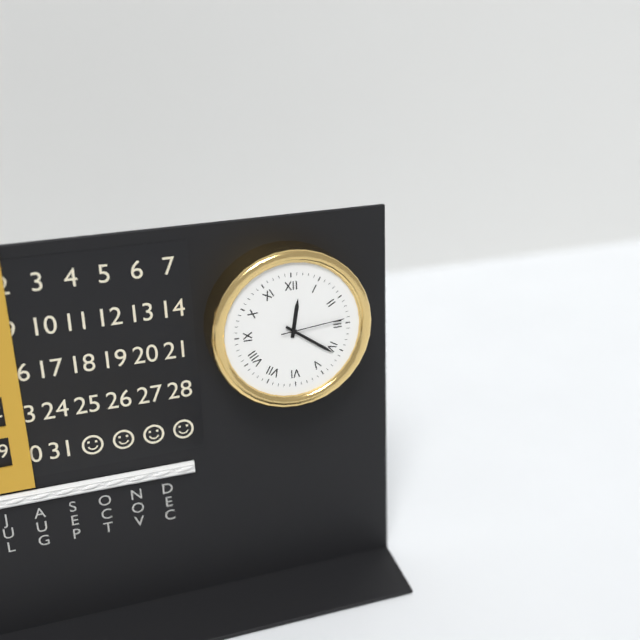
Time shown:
{"hour": 12, "minute": 21, "second": 14}
